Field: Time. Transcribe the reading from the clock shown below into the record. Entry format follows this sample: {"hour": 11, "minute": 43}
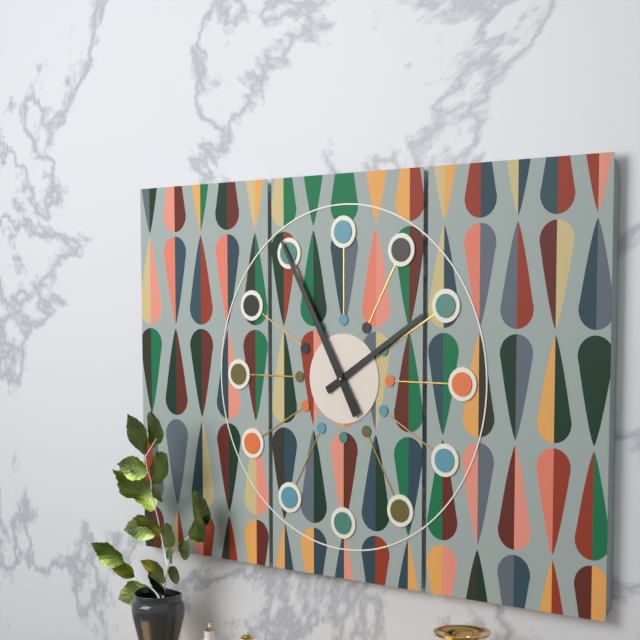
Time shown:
{"hour": 1, "minute": 55}
